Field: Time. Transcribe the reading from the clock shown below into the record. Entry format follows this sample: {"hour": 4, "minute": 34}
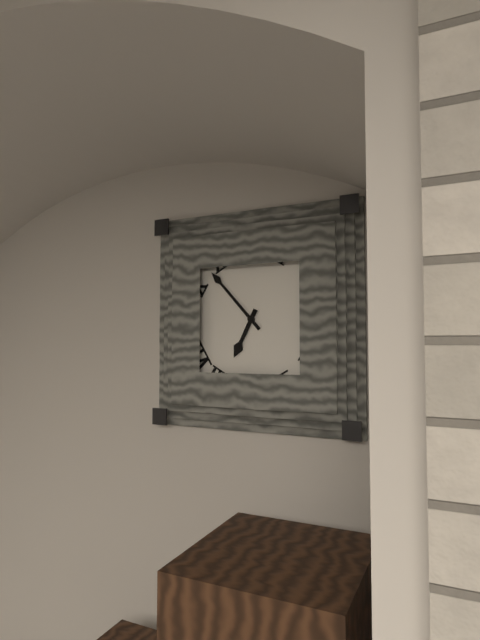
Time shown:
{"hour": 6, "minute": 53}
